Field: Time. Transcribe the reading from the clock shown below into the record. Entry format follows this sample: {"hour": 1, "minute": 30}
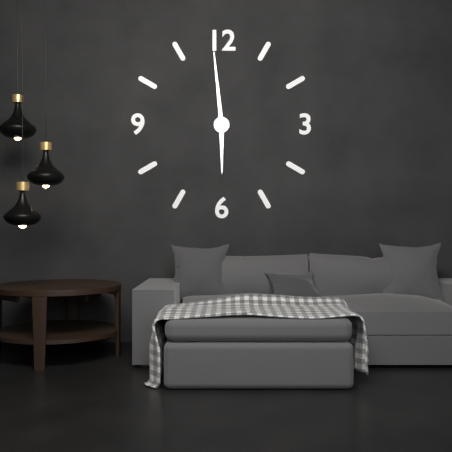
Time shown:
{"hour": 5, "minute": 59}
